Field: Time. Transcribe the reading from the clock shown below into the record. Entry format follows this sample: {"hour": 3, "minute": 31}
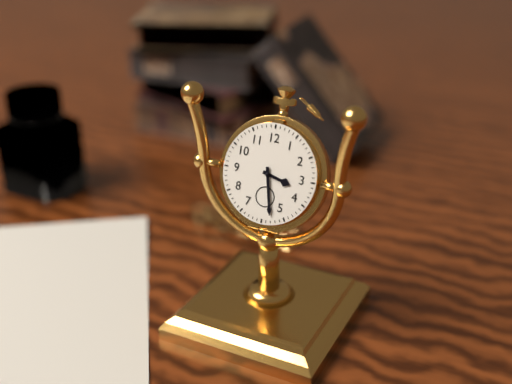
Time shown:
{"hour": 3, "minute": 28}
